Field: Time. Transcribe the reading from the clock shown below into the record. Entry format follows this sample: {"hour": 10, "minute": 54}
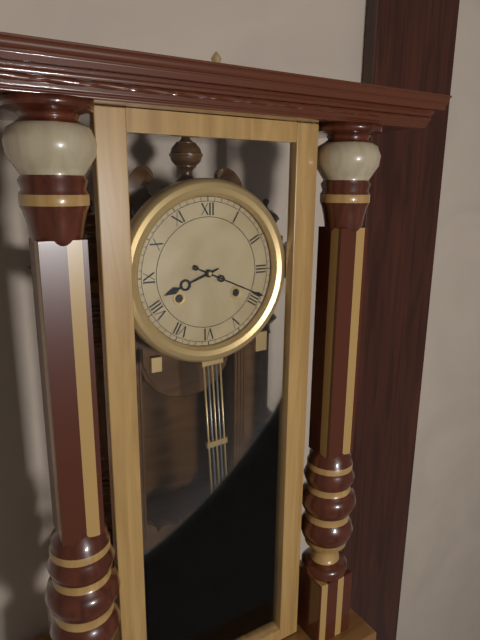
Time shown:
{"hour": 8, "minute": 19}
